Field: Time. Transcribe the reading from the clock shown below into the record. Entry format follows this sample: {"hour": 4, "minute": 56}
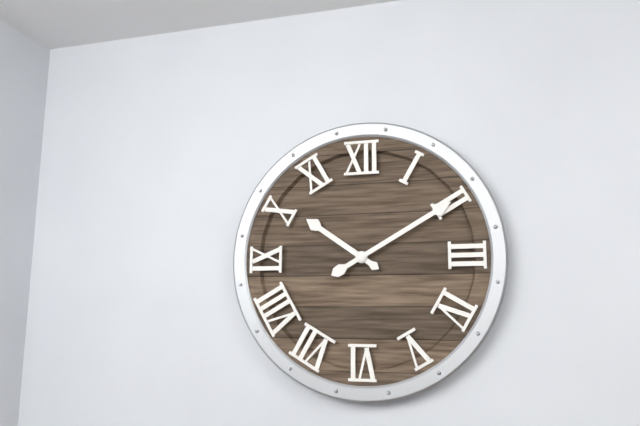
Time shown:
{"hour": 10, "minute": 10}
